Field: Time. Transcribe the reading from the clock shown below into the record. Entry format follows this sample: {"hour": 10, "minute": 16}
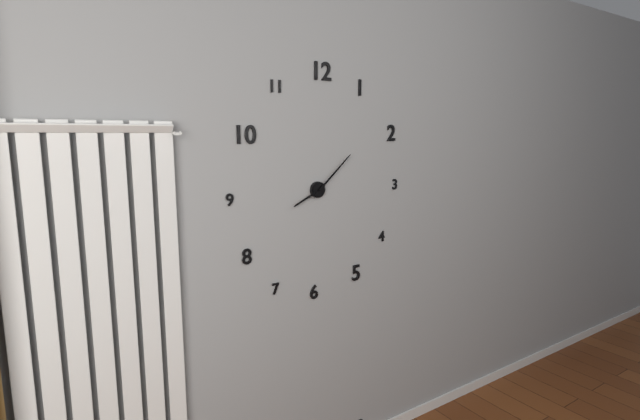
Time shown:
{"hour": 8, "minute": 8}
